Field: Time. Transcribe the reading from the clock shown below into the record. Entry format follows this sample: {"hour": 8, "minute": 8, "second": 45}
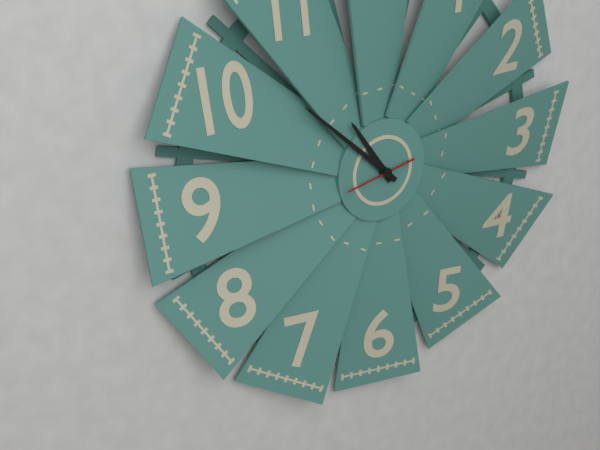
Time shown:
{"hour": 10, "minute": 52, "second": 43}
